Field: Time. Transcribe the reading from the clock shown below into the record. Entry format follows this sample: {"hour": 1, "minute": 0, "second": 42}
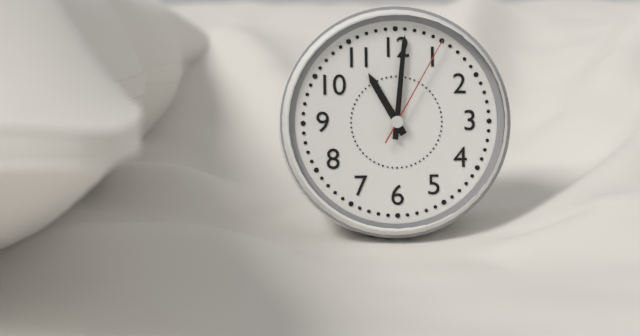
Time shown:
{"hour": 11, "minute": 1, "second": 5}
